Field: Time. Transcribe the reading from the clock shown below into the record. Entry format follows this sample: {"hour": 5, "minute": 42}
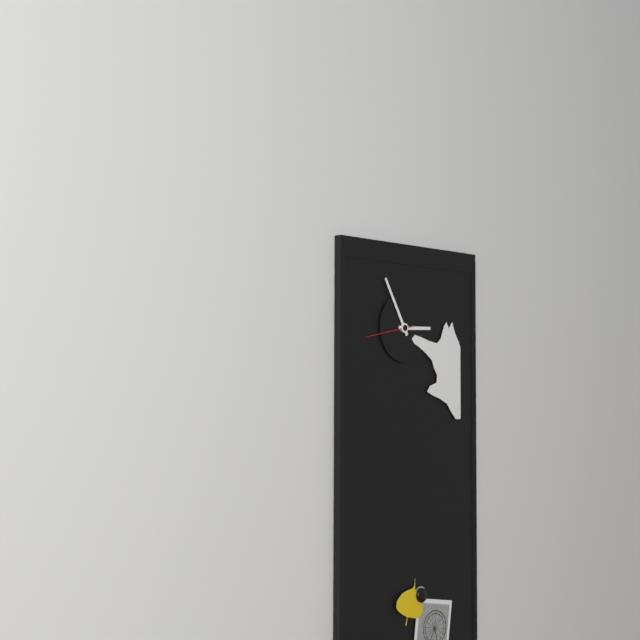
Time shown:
{"hour": 2, "minute": 55}
